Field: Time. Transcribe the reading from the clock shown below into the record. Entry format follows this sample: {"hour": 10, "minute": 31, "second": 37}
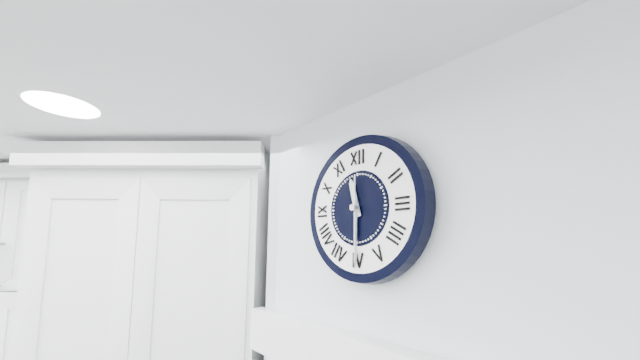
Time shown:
{"hour": 11, "minute": 30, "second": 30}
